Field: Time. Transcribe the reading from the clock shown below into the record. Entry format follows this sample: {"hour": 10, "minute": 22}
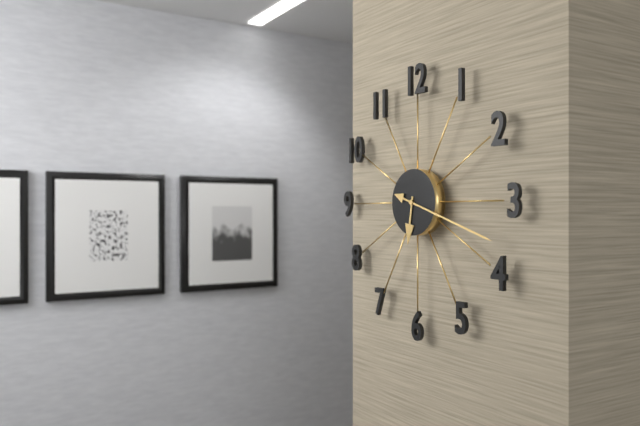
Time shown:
{"hour": 6, "minute": 18}
